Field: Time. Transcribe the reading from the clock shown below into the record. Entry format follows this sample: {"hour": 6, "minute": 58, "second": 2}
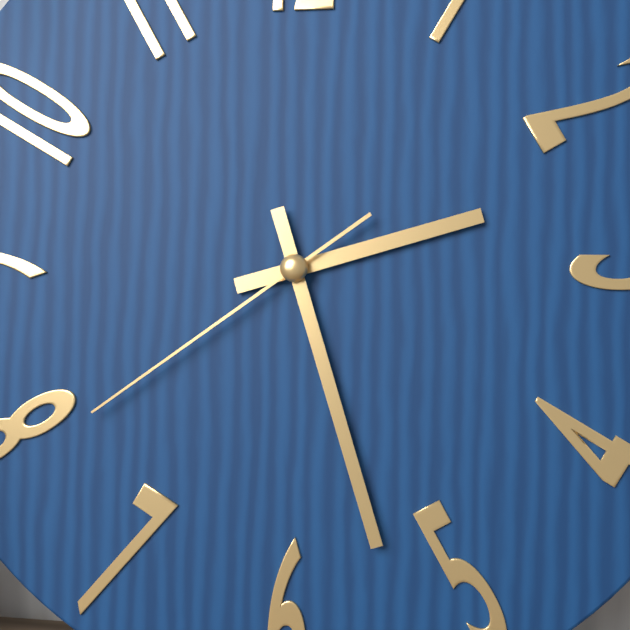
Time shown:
{"hour": 2, "minute": 27, "second": 39}
